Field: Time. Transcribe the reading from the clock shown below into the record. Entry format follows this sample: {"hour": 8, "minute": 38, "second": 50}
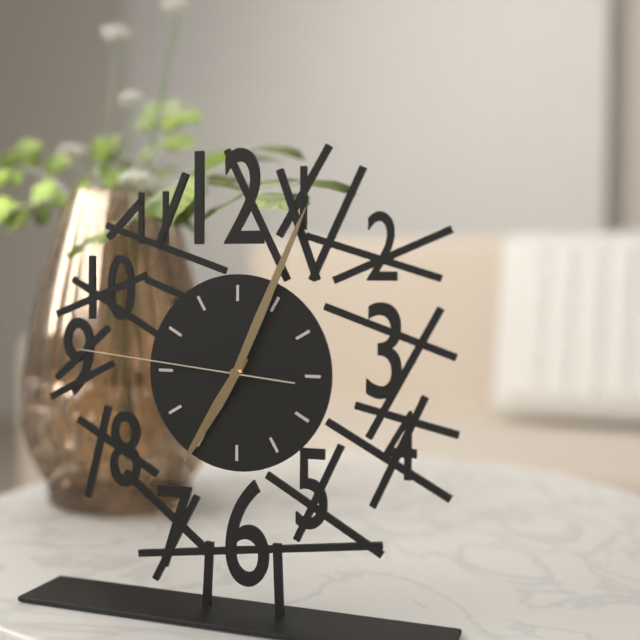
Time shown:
{"hour": 7, "minute": 4, "second": 46}
